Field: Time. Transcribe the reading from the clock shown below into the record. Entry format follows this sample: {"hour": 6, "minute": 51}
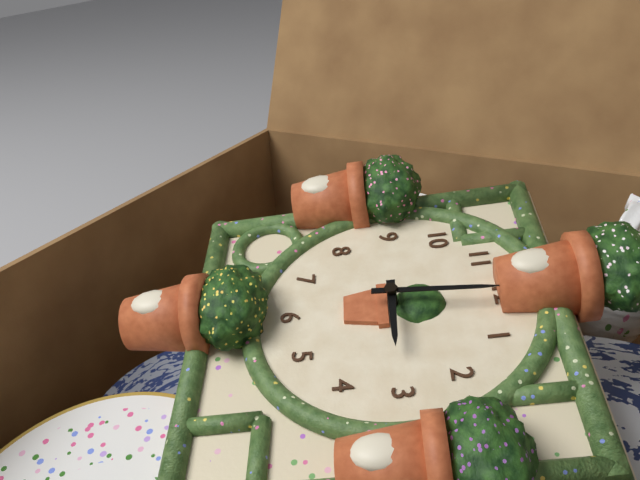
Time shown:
{"hour": 3, "minute": 1}
